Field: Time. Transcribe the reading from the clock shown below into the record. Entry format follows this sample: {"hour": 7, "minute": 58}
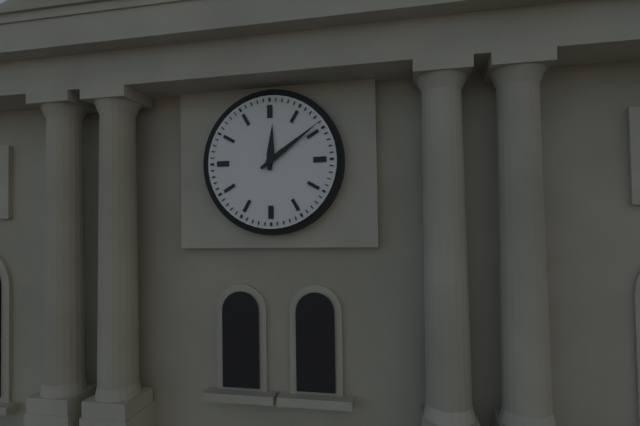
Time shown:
{"hour": 12, "minute": 9}
